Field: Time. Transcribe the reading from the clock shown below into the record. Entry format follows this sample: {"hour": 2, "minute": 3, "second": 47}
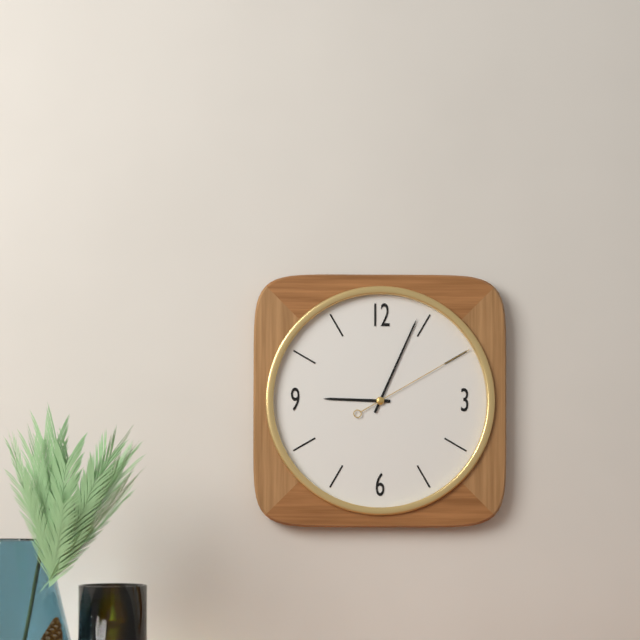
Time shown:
{"hour": 9, "minute": 4, "second": 10}
